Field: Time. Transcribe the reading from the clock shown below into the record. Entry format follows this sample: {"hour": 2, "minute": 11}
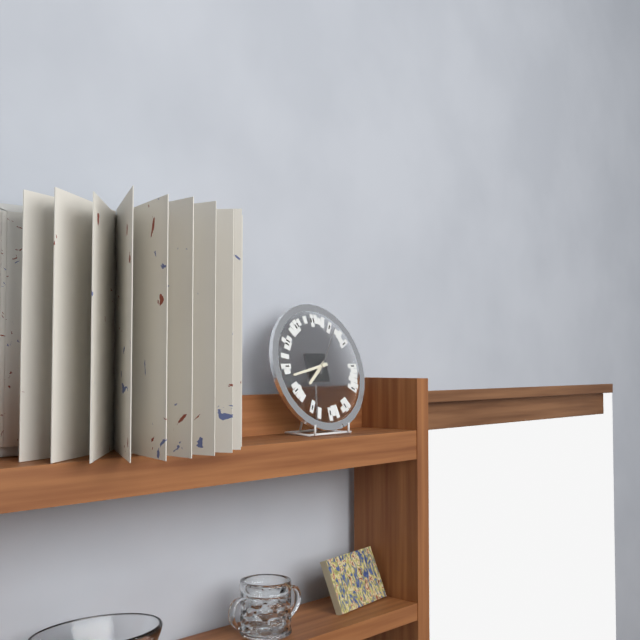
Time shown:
{"hour": 7, "minute": 43}
